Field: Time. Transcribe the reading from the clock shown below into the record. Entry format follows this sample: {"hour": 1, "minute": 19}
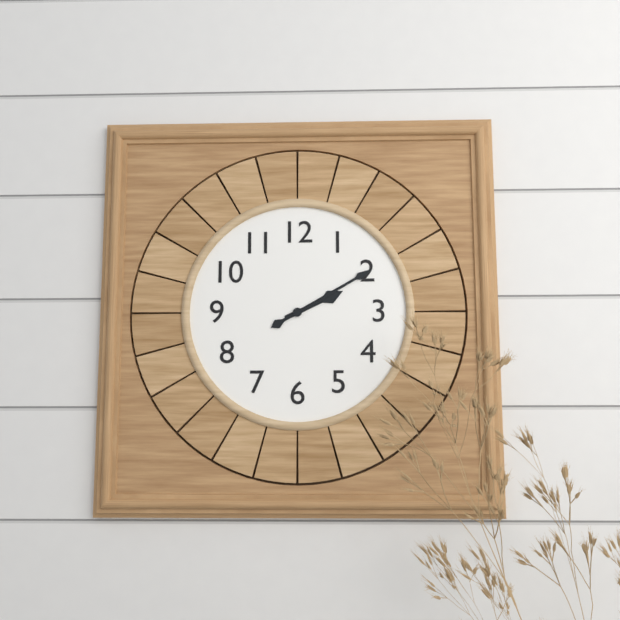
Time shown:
{"hour": 2, "minute": 10}
